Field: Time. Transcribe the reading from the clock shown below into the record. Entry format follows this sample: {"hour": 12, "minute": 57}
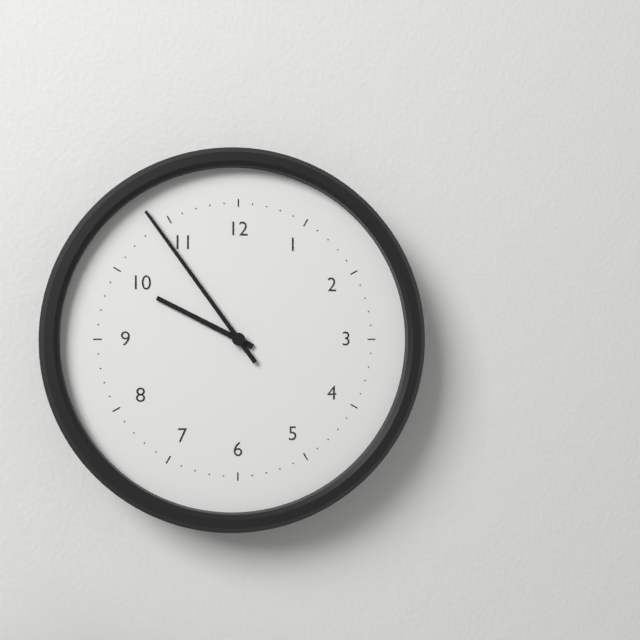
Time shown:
{"hour": 9, "minute": 54}
